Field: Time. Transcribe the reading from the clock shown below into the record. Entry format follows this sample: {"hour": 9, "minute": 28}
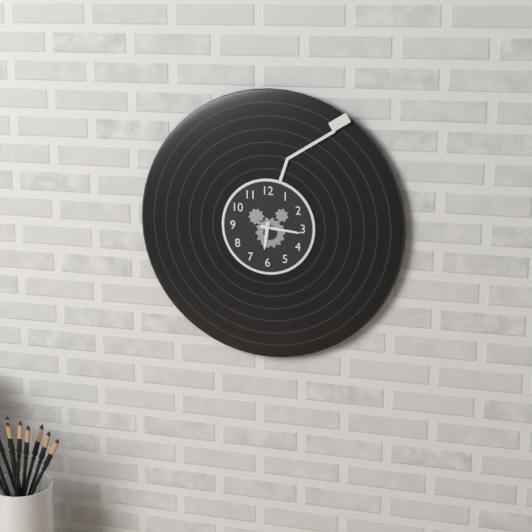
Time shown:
{"hour": 6, "minute": 16}
